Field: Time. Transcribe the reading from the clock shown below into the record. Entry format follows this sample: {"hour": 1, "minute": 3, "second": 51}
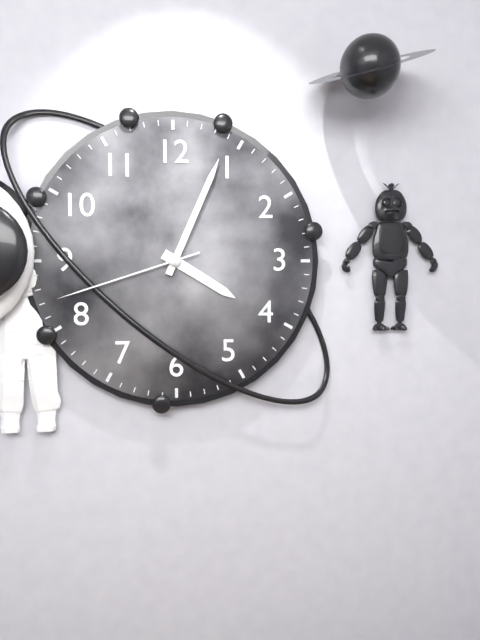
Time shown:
{"hour": 4, "minute": 4, "second": 42}
